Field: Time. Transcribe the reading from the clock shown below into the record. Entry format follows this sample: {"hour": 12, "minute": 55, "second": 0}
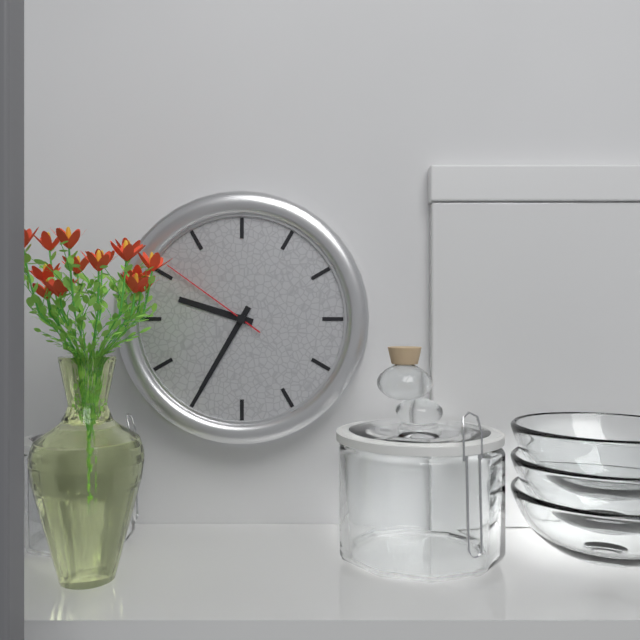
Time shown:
{"hour": 9, "minute": 35, "second": 51}
